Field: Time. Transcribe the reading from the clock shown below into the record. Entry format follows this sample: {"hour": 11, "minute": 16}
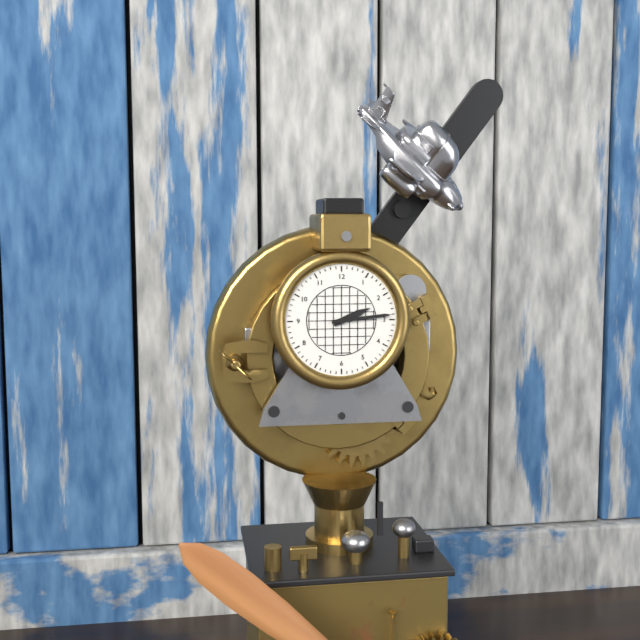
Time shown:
{"hour": 2, "minute": 14}
